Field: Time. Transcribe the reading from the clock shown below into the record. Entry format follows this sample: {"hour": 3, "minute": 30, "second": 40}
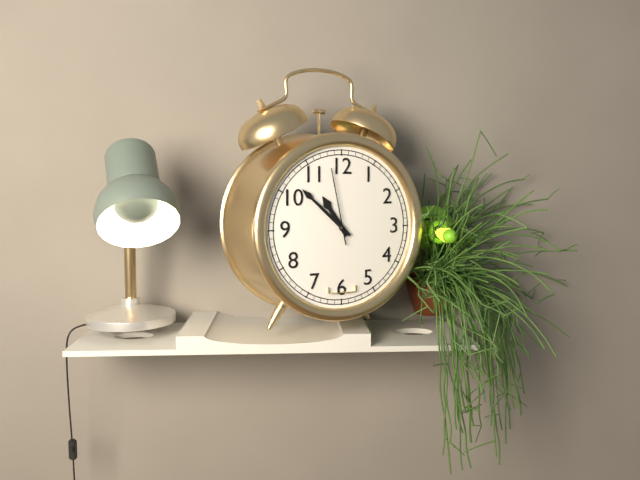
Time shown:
{"hour": 10, "minute": 52, "second": 58}
